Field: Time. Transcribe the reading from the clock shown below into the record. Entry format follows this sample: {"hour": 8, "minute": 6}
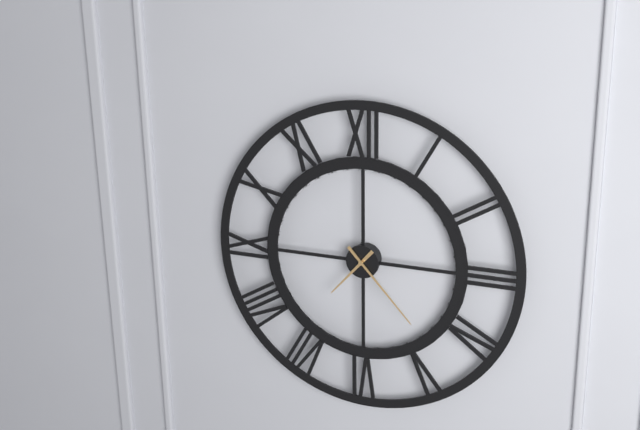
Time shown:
{"hour": 7, "minute": 23}
